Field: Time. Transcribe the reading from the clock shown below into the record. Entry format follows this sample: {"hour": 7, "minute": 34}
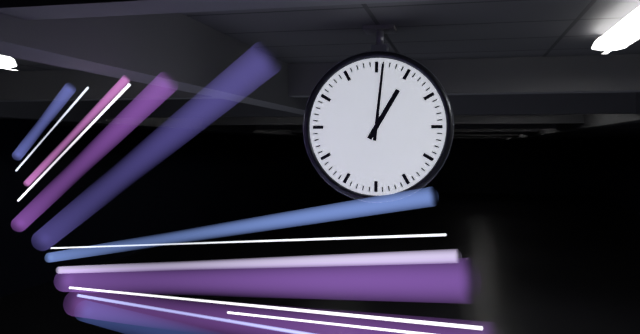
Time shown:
{"hour": 1, "minute": 1}
